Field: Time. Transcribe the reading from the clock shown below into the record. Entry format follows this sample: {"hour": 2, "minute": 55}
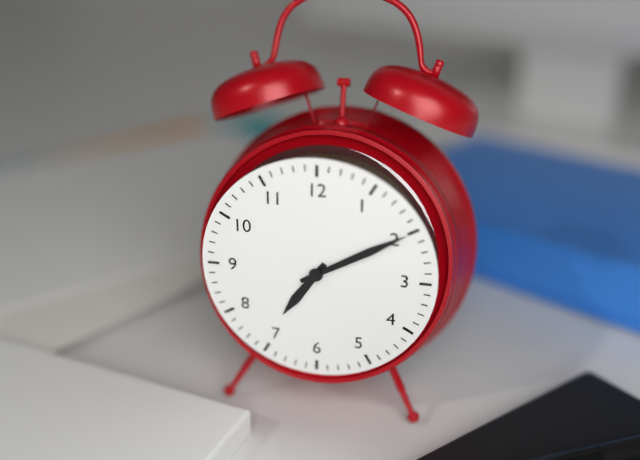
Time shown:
{"hour": 7, "minute": 10}
